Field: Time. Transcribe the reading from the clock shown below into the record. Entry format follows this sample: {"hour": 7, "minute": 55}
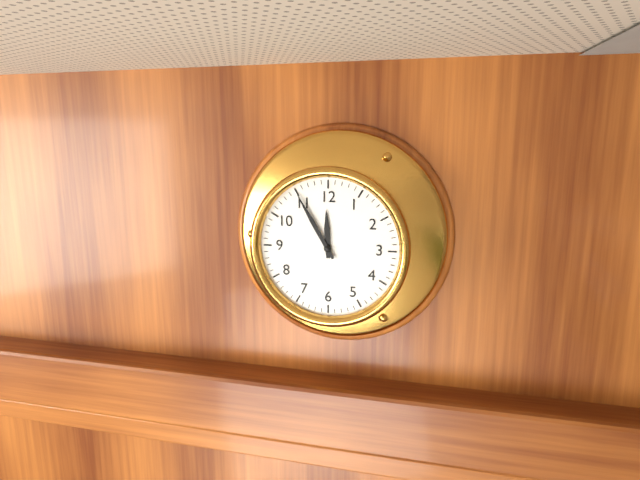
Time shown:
{"hour": 11, "minute": 55}
